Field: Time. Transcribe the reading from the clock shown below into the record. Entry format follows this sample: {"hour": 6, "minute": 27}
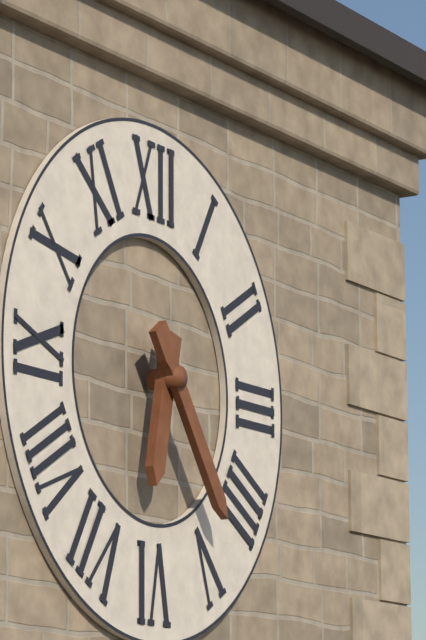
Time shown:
{"hour": 6, "minute": 24}
